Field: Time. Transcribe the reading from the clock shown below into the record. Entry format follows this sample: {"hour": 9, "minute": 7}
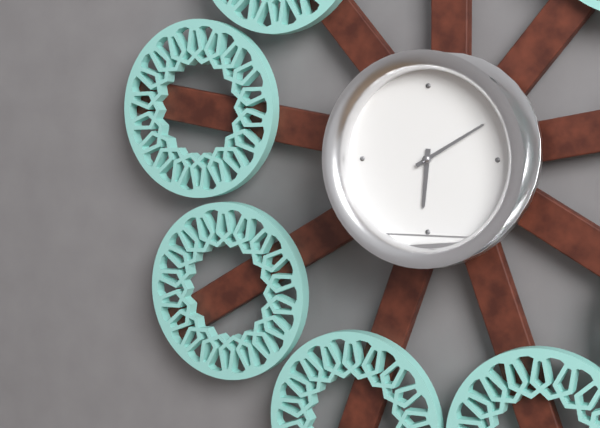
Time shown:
{"hour": 6, "minute": 10}
